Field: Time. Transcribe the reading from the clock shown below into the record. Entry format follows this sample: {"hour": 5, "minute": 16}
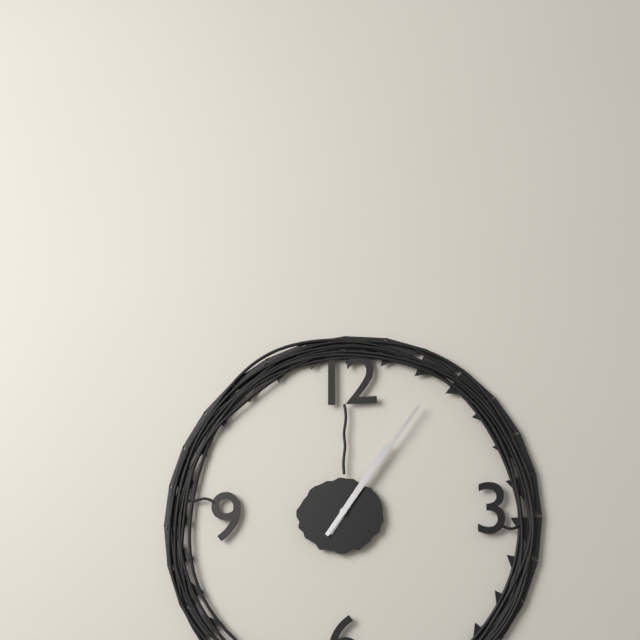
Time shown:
{"hour": 1, "minute": 6}
